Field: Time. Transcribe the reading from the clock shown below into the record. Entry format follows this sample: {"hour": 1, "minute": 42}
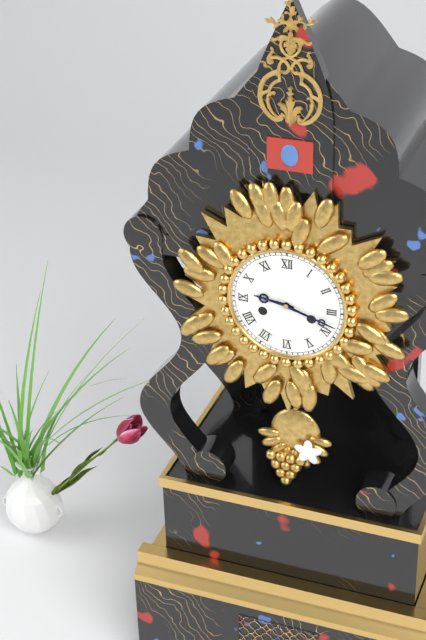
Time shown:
{"hour": 9, "minute": 18}
